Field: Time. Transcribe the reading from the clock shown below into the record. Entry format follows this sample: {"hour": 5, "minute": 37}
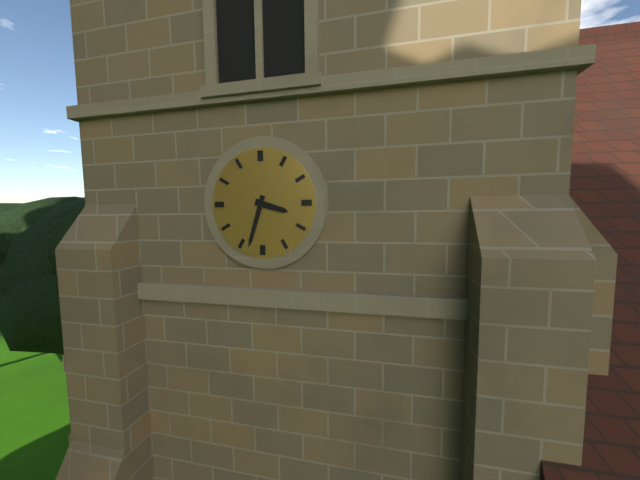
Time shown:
{"hour": 3, "minute": 33}
